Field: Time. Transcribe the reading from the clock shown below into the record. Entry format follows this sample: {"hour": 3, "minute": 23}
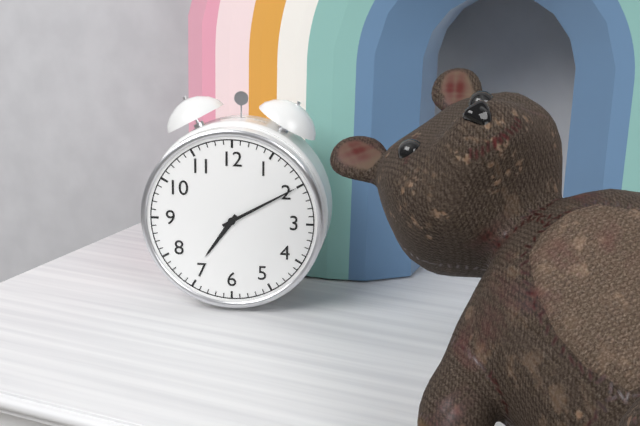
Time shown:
{"hour": 7, "minute": 10}
